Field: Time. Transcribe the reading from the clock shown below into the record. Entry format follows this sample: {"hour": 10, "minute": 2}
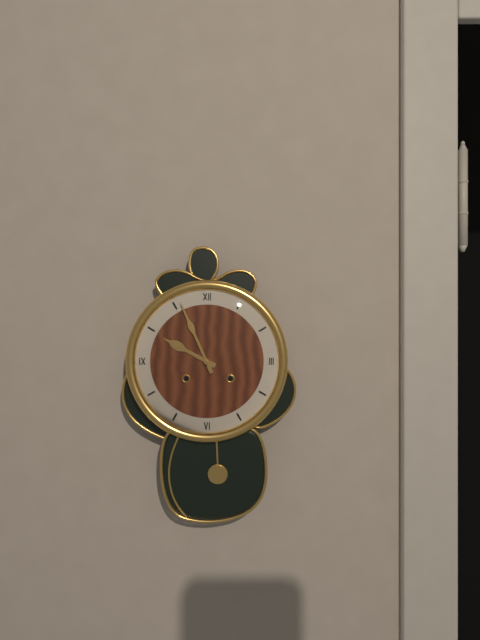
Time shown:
{"hour": 9, "minute": 56}
